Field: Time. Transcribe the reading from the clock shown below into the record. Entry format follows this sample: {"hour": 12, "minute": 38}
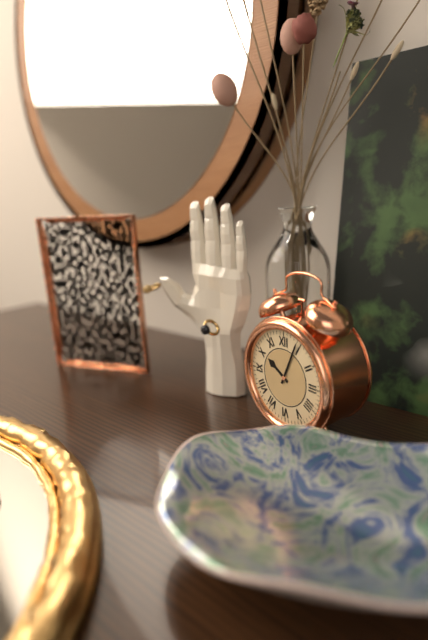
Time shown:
{"hour": 10, "minute": 4}
